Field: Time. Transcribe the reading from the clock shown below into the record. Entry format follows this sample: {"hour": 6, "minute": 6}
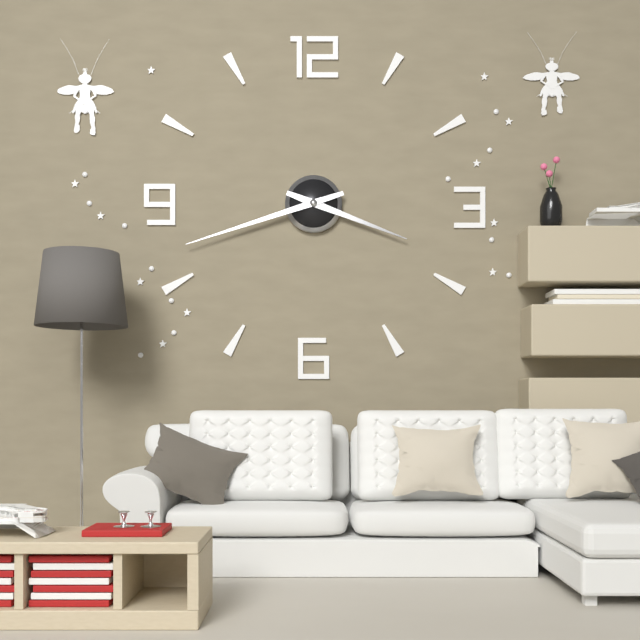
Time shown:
{"hour": 3, "minute": 42}
